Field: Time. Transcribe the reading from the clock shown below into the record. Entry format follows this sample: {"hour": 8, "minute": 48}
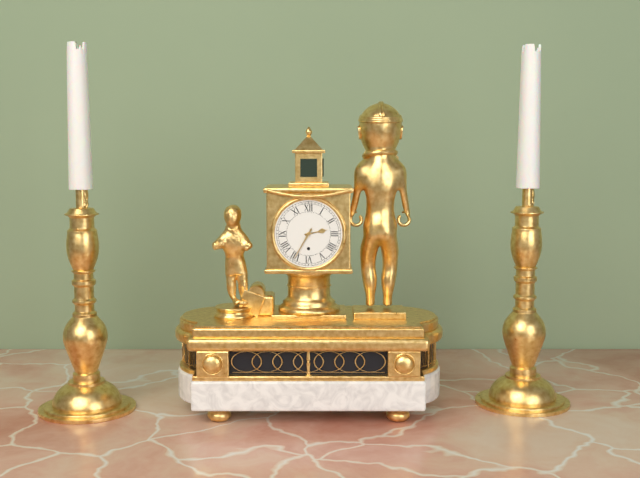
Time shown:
{"hour": 2, "minute": 35}
